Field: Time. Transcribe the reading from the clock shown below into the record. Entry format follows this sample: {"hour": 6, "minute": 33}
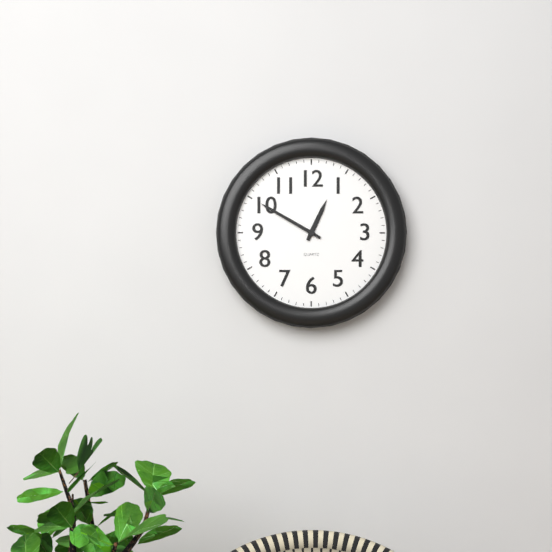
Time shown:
{"hour": 12, "minute": 50}
